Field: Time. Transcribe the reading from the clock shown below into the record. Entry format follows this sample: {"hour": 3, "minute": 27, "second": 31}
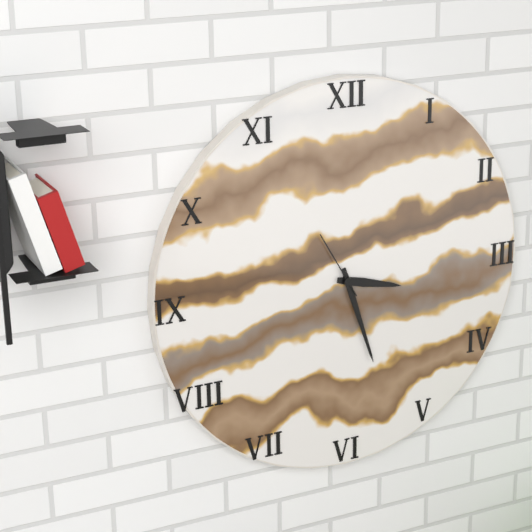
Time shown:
{"hour": 3, "minute": 27, "second": 55}
